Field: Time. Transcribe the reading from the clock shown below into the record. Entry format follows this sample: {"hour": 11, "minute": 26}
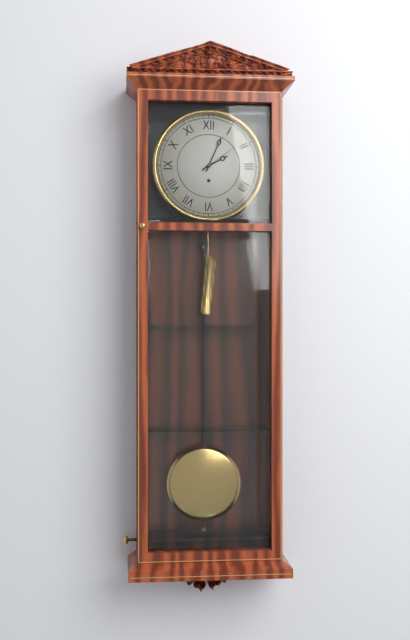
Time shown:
{"hour": 2, "minute": 4}
